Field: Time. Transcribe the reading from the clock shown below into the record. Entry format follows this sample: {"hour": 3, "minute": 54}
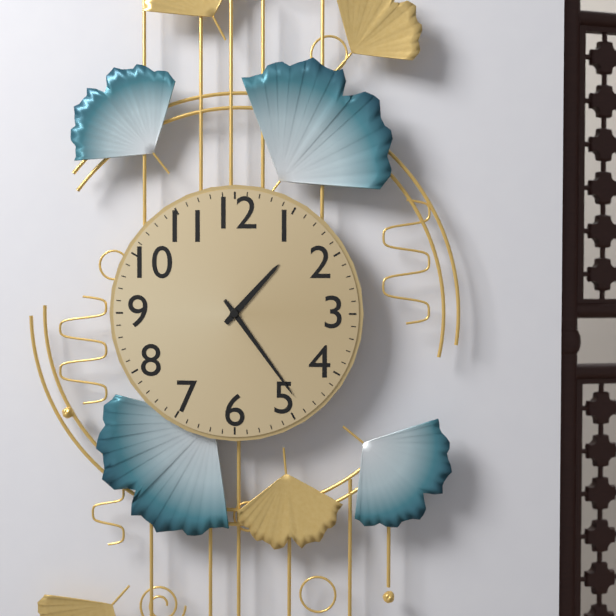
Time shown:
{"hour": 1, "minute": 24}
